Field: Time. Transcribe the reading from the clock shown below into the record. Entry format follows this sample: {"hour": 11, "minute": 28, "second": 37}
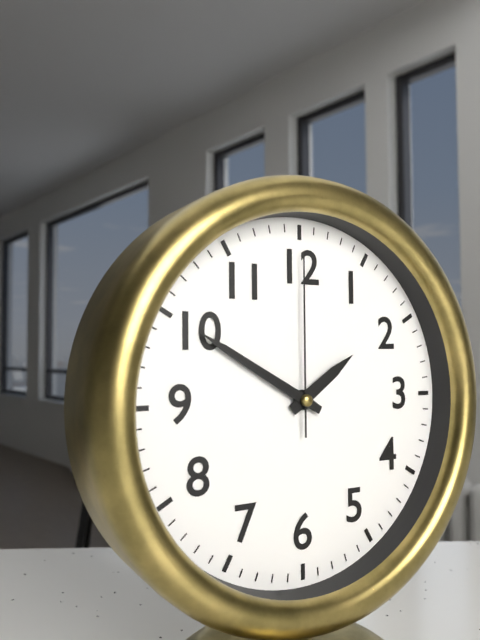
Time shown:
{"hour": 1, "minute": 50, "second": 0}
